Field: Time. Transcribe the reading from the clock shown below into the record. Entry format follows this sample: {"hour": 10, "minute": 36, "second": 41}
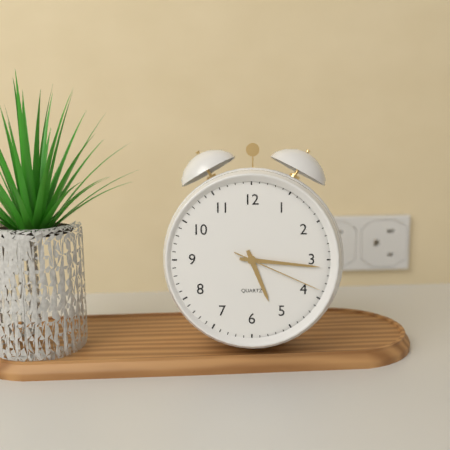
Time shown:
{"hour": 5, "minute": 16, "second": 19}
